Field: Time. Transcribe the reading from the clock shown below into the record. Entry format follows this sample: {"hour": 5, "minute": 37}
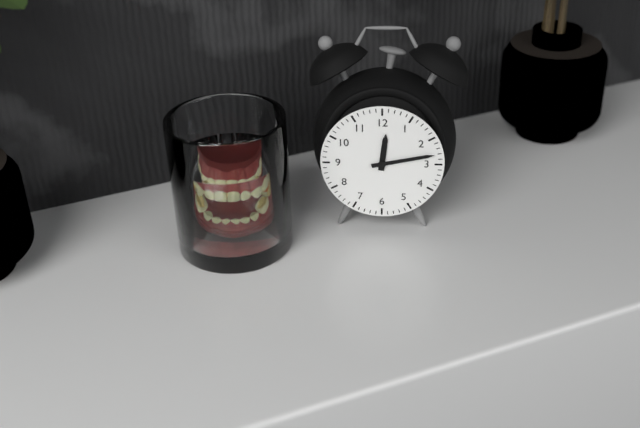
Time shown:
{"hour": 12, "minute": 13}
